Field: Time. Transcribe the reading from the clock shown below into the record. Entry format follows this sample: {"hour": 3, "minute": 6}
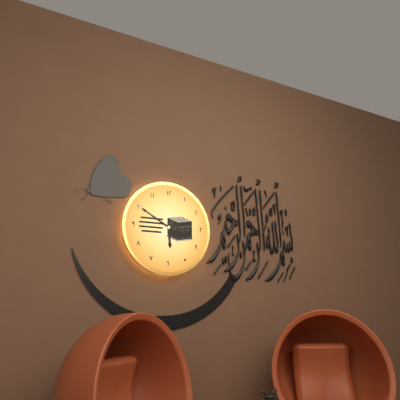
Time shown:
{"hour": 5, "minute": 50}
